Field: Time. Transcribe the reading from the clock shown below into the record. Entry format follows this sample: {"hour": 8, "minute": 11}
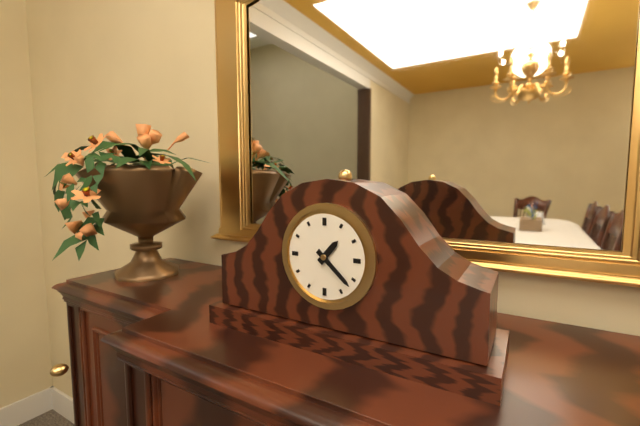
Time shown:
{"hour": 1, "minute": 22}
